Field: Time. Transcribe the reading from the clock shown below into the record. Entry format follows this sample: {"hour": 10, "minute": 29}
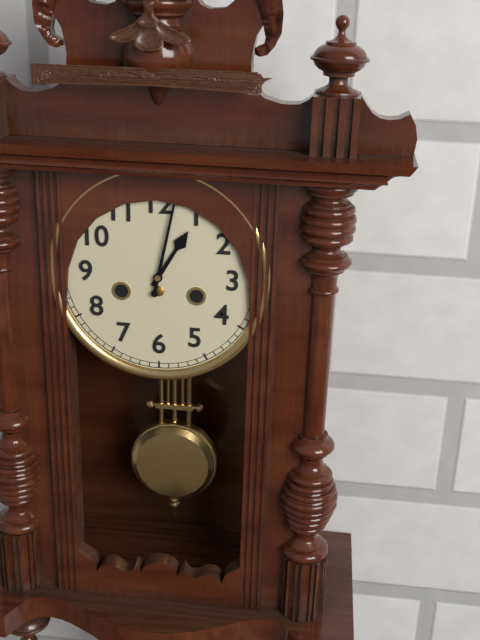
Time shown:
{"hour": 1, "minute": 2}
